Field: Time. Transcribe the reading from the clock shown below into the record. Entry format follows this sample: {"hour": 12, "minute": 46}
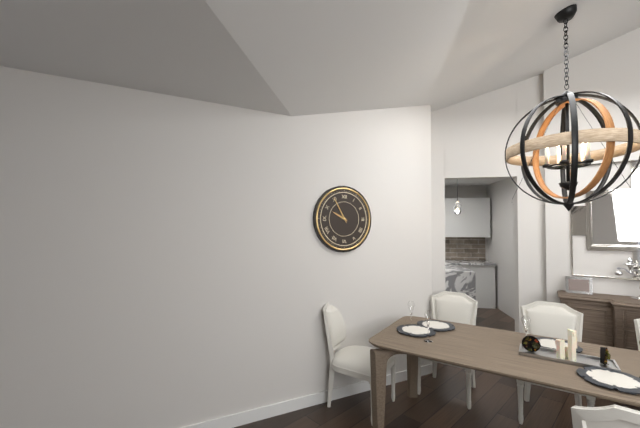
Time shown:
{"hour": 9, "minute": 55}
